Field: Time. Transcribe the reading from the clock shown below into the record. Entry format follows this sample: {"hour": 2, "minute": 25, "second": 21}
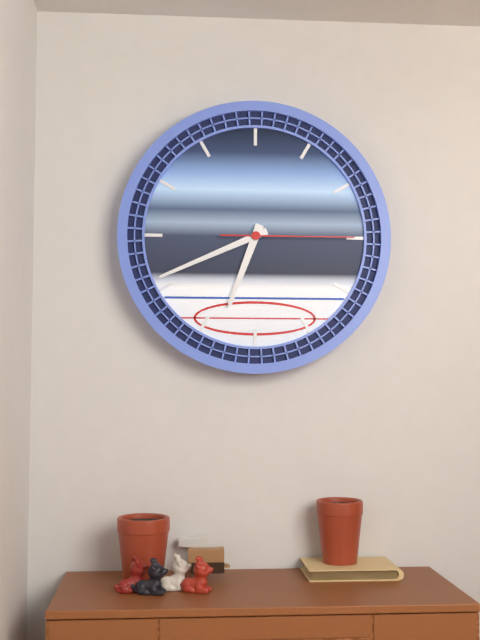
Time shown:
{"hour": 6, "minute": 41, "second": 15}
